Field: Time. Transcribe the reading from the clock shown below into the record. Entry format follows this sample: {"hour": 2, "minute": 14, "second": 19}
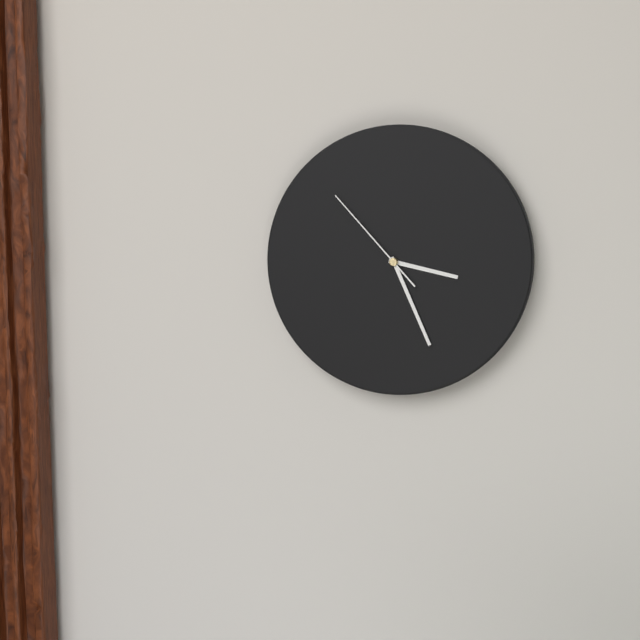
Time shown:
{"hour": 3, "minute": 26, "second": 53}
